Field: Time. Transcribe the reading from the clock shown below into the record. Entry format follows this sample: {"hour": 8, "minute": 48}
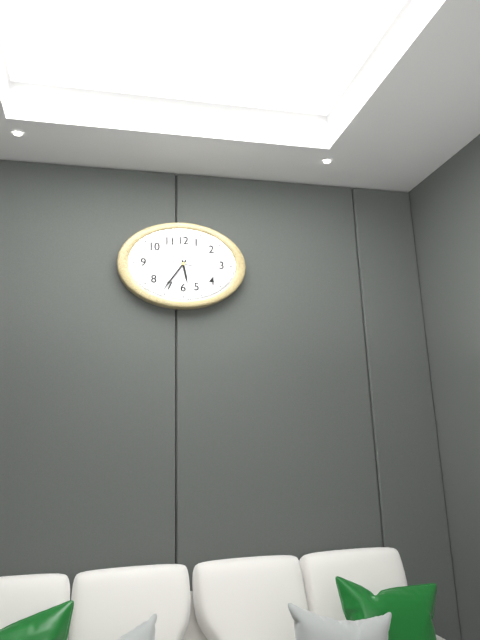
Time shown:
{"hour": 5, "minute": 36}
